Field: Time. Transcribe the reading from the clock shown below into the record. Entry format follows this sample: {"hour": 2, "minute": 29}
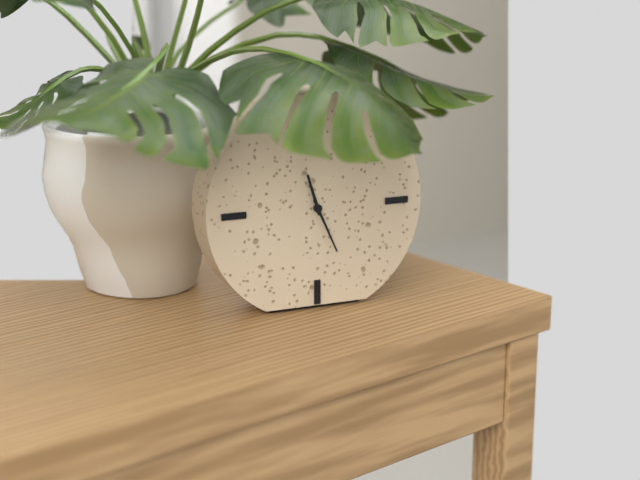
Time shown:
{"hour": 11, "minute": 26}
